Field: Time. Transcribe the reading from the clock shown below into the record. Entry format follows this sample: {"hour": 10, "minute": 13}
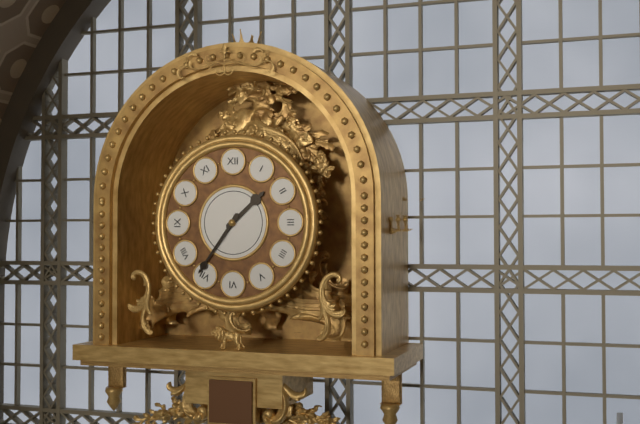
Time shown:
{"hour": 1, "minute": 36}
